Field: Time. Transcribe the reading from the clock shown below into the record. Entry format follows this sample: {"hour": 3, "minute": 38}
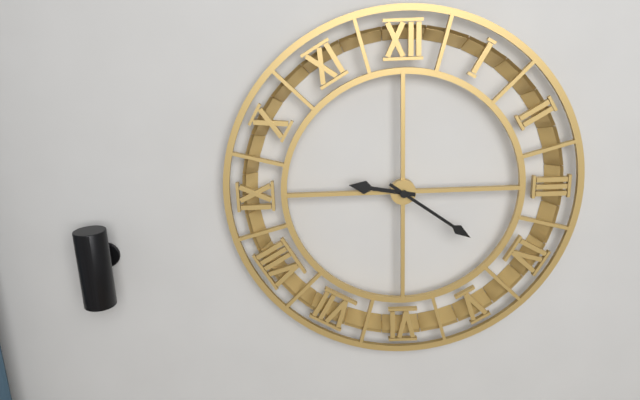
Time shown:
{"hour": 9, "minute": 21}
